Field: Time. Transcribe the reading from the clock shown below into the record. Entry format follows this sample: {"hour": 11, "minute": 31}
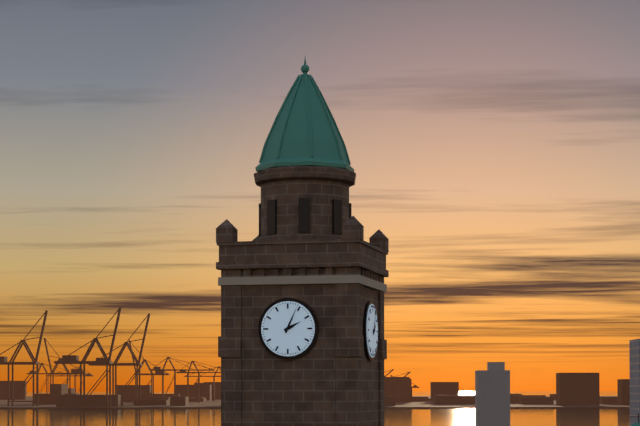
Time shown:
{"hour": 2, "minute": 4}
